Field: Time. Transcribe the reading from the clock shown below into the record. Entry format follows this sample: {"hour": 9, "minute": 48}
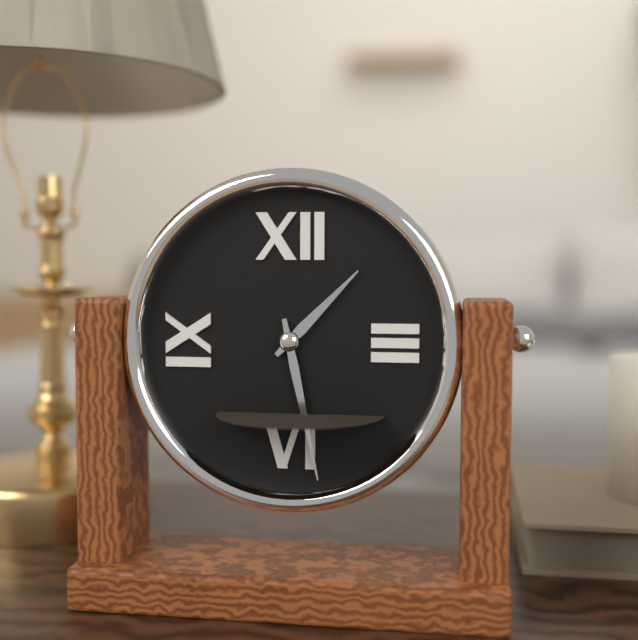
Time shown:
{"hour": 1, "minute": 28}
